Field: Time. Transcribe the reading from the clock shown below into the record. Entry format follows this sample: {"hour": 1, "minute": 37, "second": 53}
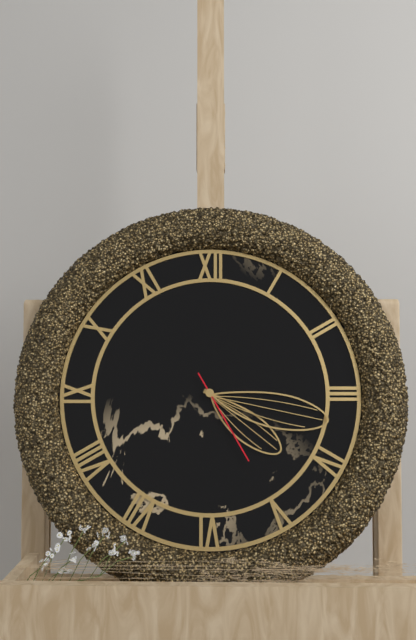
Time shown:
{"hour": 4, "minute": 17, "second": 25}
